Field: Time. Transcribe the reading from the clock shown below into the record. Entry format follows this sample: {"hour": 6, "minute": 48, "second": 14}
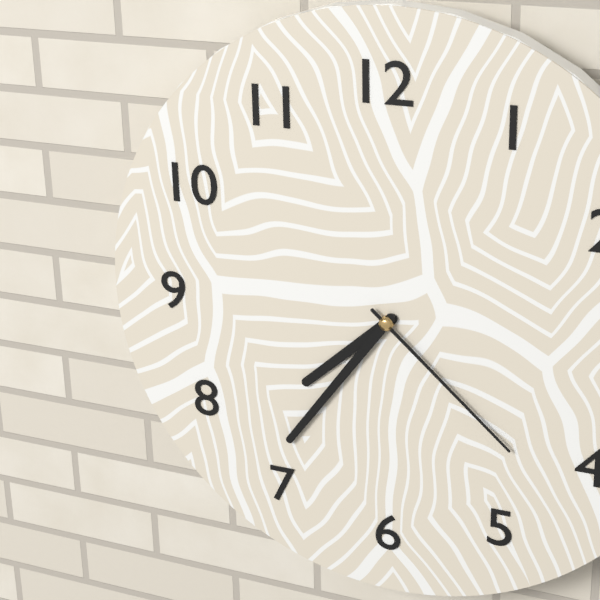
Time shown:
{"hour": 7, "minute": 36, "second": 22}
